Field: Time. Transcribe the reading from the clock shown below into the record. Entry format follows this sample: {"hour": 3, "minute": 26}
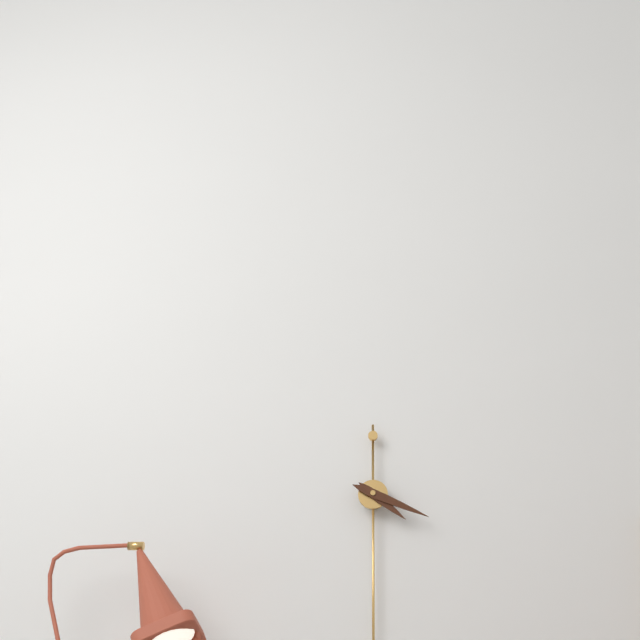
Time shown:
{"hour": 4, "minute": 19}
